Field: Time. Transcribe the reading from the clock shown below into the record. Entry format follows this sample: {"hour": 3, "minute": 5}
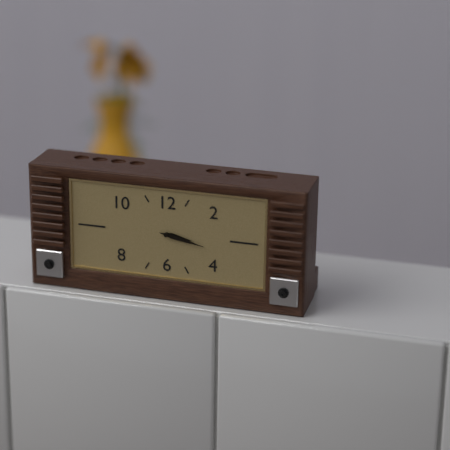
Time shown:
{"hour": 3, "minute": 17}
